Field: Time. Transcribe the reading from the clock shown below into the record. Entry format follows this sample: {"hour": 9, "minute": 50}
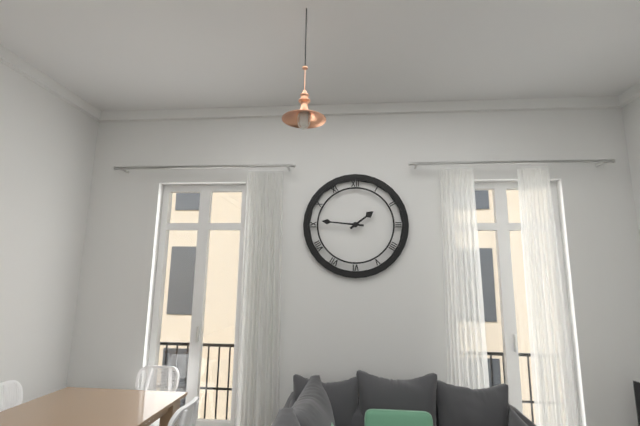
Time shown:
{"hour": 1, "minute": 46}
